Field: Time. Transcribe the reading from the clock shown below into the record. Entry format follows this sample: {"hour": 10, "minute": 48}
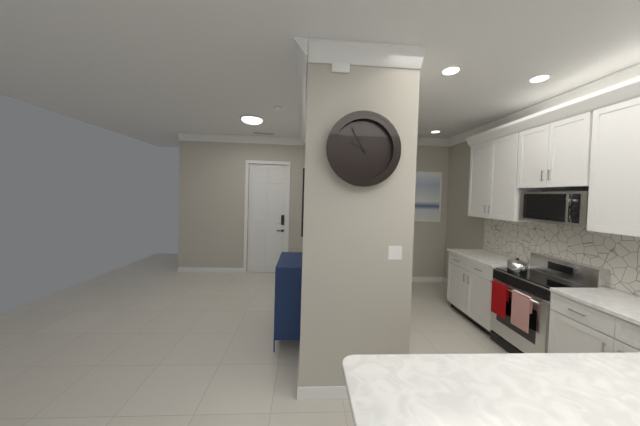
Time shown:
{"hour": 9, "minute": 55}
